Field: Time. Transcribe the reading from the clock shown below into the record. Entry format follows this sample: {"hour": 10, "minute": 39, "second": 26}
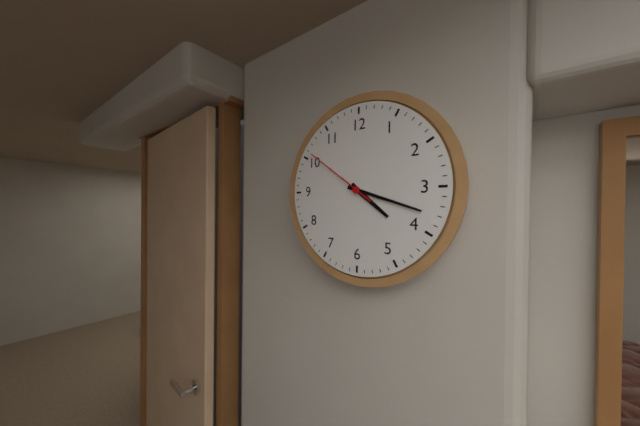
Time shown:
{"hour": 4, "minute": 18, "second": 51}
